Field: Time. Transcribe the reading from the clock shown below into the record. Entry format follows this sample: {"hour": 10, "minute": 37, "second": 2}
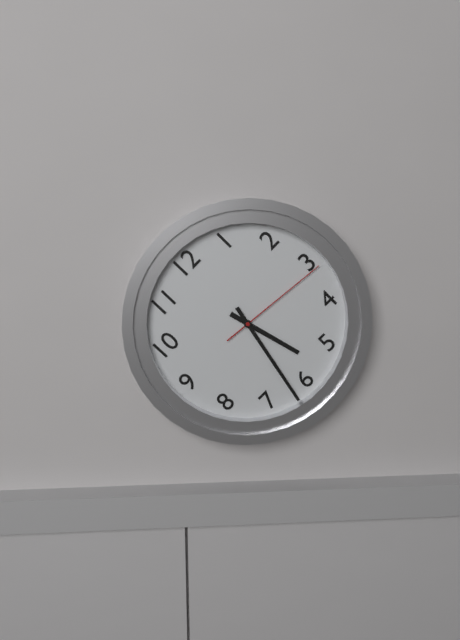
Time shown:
{"hour": 5, "minute": 32, "second": 16}
